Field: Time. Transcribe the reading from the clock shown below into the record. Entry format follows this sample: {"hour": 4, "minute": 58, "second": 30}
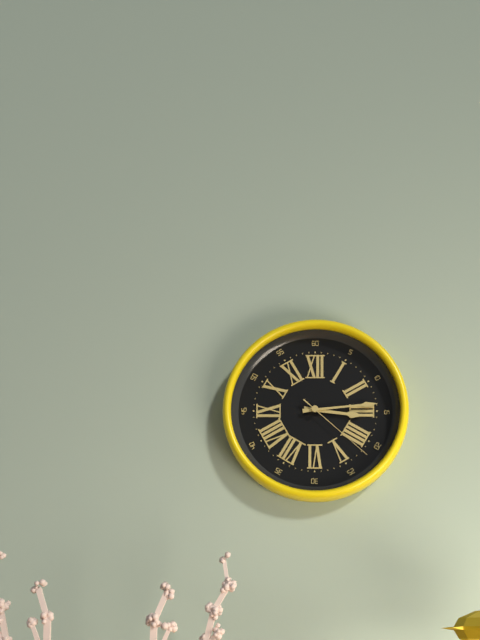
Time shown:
{"hour": 3, "minute": 14, "second": 22}
